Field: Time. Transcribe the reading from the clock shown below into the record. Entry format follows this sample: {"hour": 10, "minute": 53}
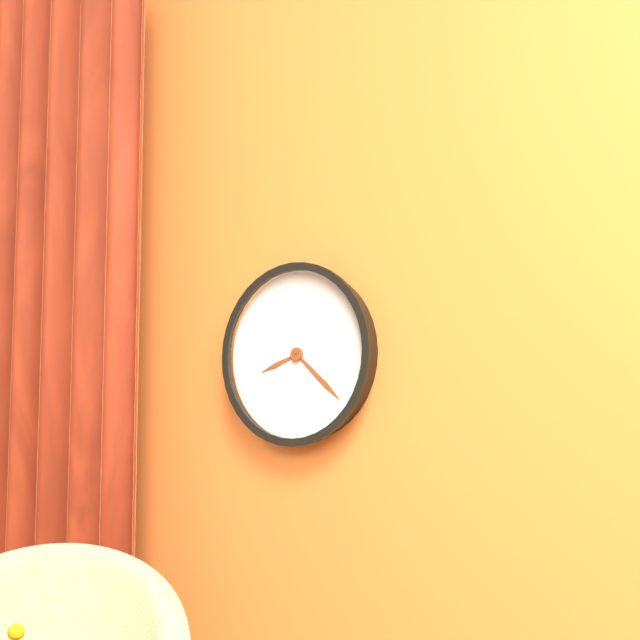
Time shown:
{"hour": 8, "minute": 22}
